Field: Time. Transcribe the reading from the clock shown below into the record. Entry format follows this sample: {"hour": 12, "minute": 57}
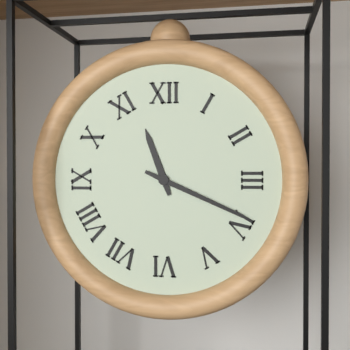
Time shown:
{"hour": 11, "minute": 19}
